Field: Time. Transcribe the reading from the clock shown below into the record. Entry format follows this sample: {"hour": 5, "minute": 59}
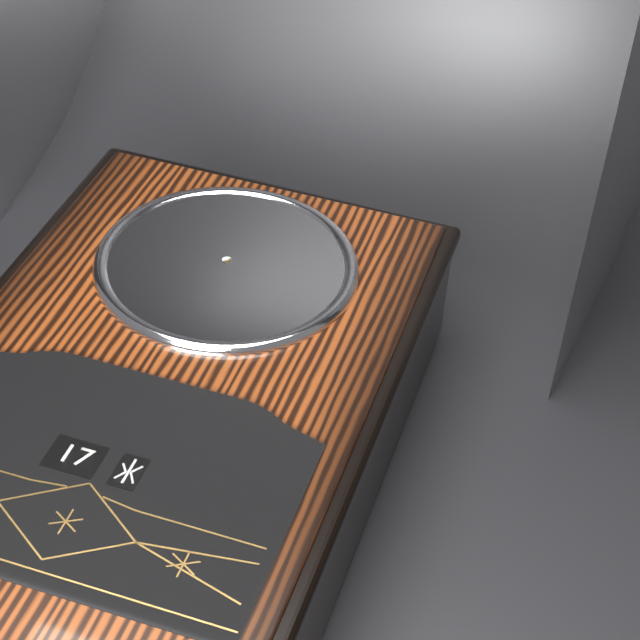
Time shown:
{"hour": 6, "minute": 16}
